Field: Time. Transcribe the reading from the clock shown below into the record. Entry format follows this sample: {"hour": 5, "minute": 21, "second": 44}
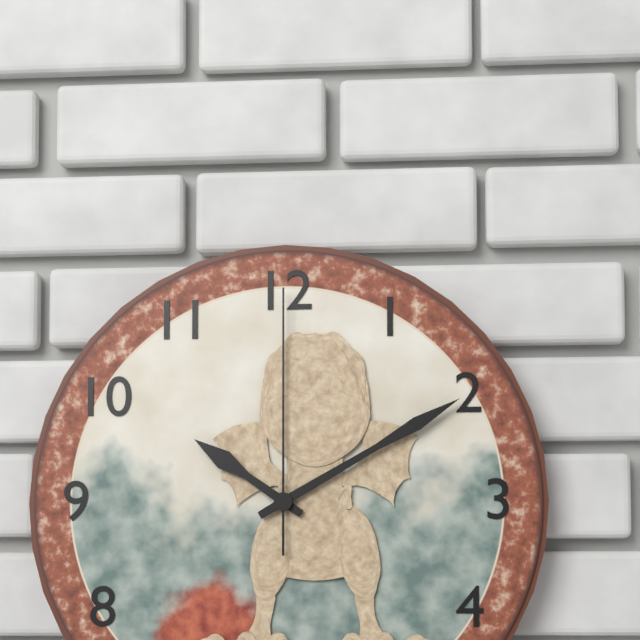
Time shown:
{"hour": 10, "minute": 10, "second": 0}
